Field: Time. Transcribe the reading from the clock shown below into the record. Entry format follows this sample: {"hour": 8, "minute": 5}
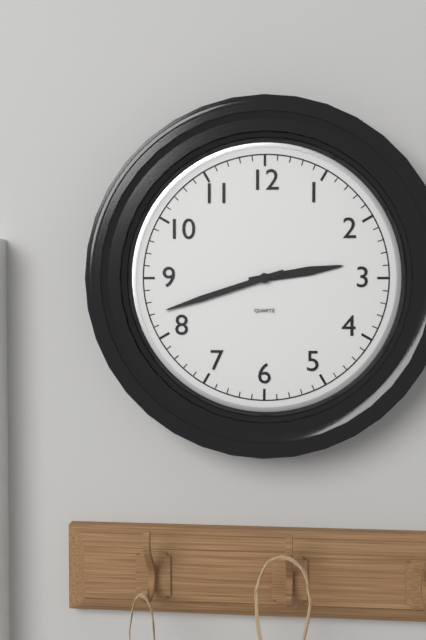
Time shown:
{"hour": 2, "minute": 42}
